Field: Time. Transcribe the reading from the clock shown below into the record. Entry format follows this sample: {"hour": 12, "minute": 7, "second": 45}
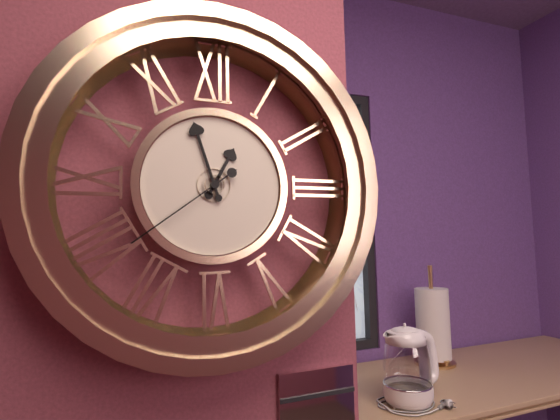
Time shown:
{"hour": 12, "minute": 57, "second": 39}
